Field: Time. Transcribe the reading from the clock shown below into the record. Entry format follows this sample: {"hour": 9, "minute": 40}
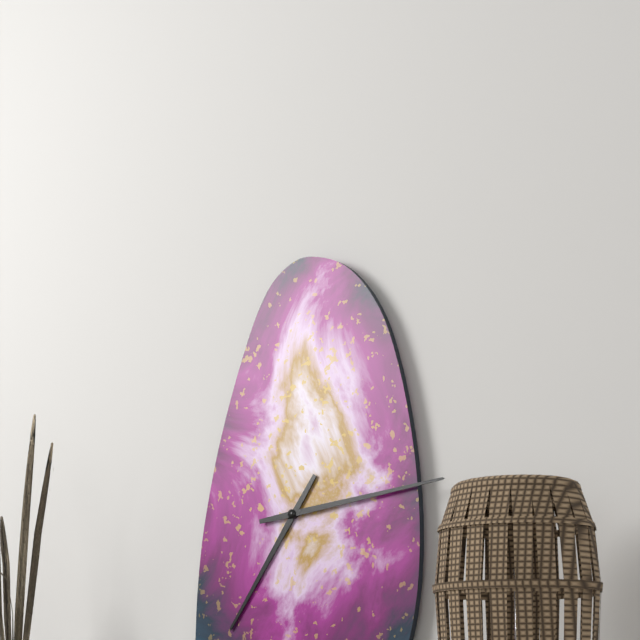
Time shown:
{"hour": 7, "minute": 14}
